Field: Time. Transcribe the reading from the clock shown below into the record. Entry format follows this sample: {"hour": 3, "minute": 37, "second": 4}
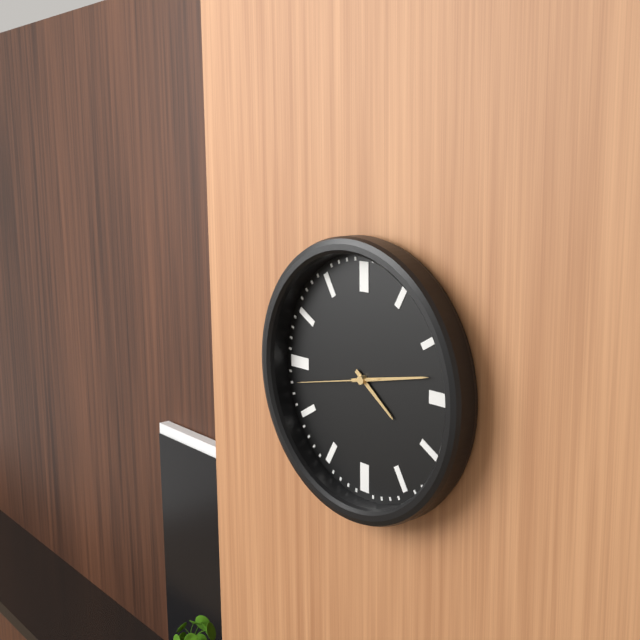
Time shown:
{"hour": 4, "minute": 13, "second": 43}
